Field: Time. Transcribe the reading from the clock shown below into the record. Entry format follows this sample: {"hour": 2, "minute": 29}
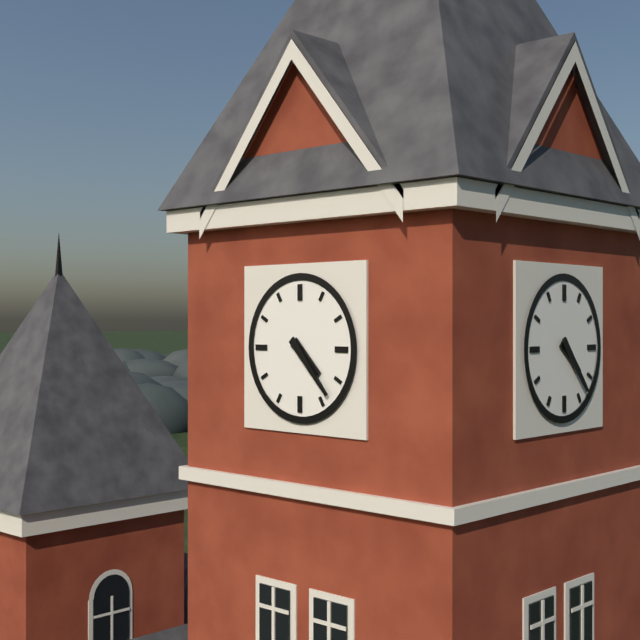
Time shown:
{"hour": 4, "minute": 23}
